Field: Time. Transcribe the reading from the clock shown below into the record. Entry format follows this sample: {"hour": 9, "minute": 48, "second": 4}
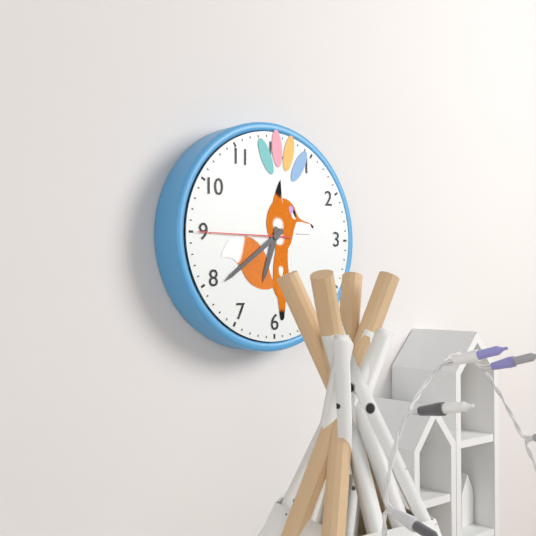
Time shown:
{"hour": 6, "minute": 39, "second": 45}
